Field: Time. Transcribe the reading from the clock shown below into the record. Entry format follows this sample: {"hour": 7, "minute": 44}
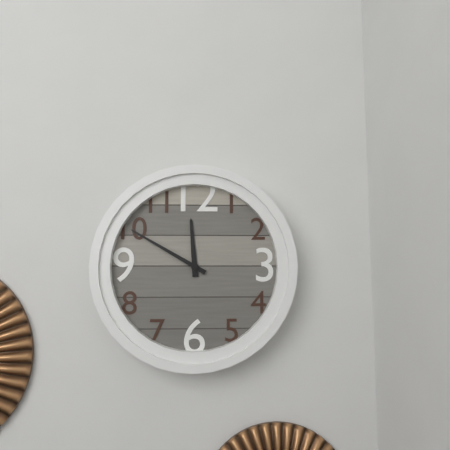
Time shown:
{"hour": 11, "minute": 50}
